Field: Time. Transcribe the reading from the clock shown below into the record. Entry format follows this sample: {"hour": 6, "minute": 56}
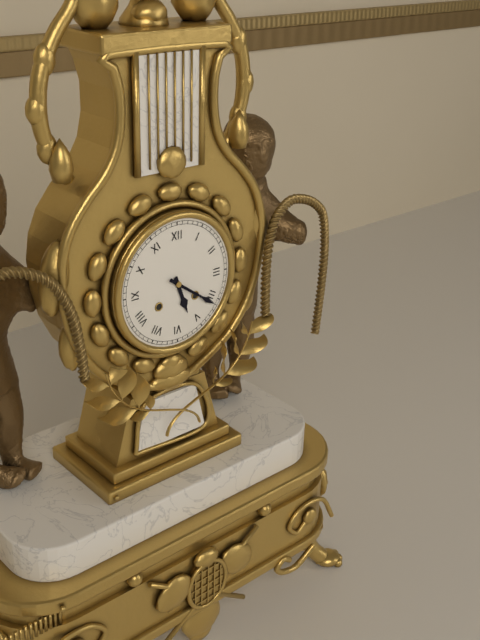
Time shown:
{"hour": 5, "minute": 21}
